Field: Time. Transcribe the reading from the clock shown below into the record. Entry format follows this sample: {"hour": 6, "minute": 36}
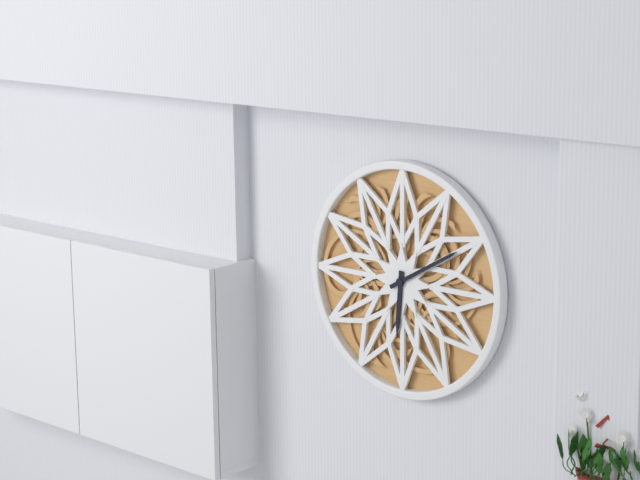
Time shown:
{"hour": 6, "minute": 10}
